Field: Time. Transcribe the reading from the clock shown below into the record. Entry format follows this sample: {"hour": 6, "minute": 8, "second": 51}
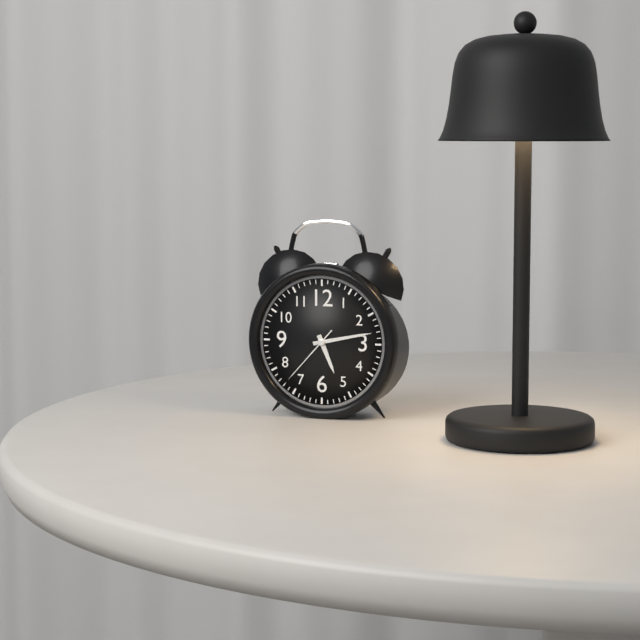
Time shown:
{"hour": 5, "minute": 13, "second": 37}
